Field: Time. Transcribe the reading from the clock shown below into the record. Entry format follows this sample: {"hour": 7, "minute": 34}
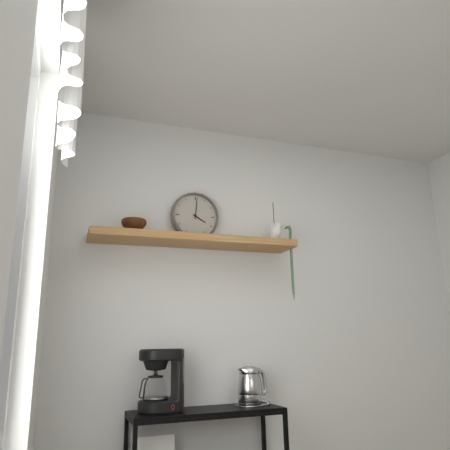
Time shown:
{"hour": 4, "minute": 1}
